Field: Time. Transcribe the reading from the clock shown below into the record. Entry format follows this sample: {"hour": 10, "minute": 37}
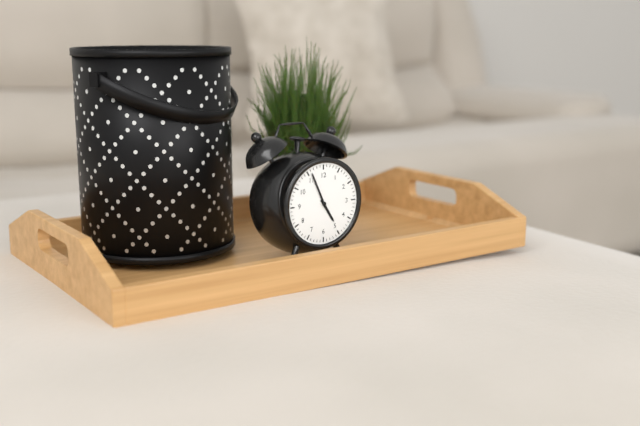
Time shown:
{"hour": 4, "minute": 56}
